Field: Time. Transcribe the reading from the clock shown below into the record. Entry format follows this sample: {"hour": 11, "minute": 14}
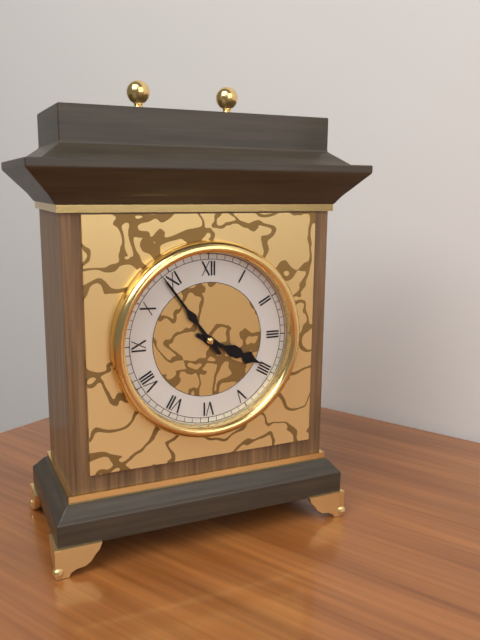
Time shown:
{"hour": 3, "minute": 54}
